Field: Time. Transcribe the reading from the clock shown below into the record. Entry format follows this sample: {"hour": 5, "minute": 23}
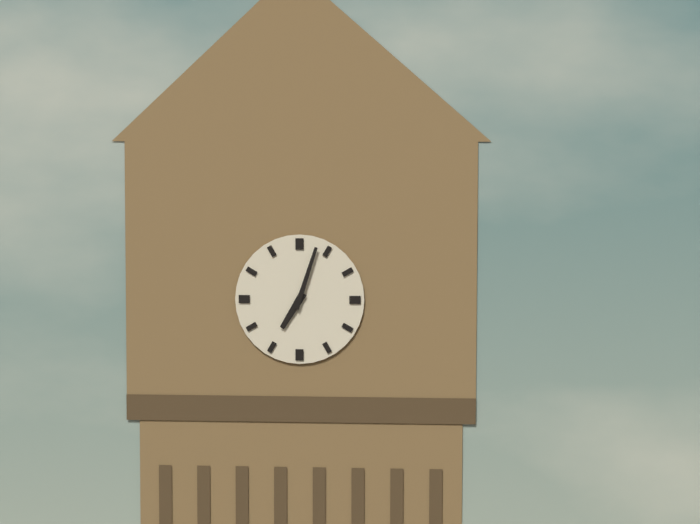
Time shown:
{"hour": 7, "minute": 3}
